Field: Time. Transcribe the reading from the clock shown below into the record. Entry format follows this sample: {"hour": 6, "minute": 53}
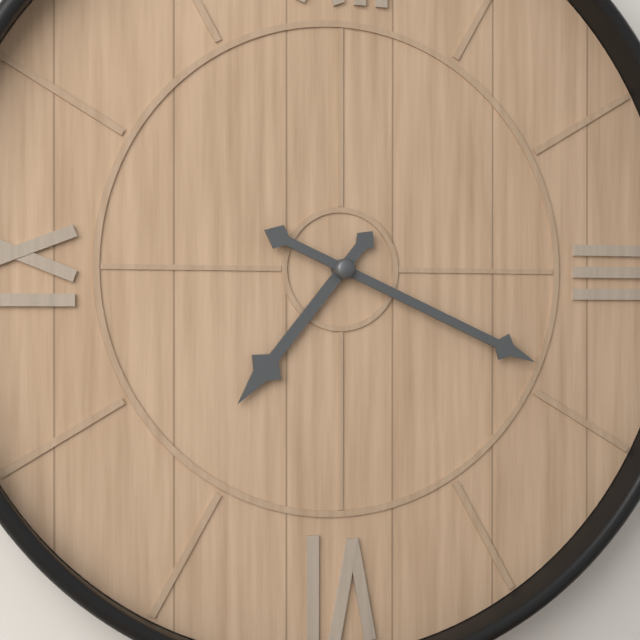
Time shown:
{"hour": 7, "minute": 19}
